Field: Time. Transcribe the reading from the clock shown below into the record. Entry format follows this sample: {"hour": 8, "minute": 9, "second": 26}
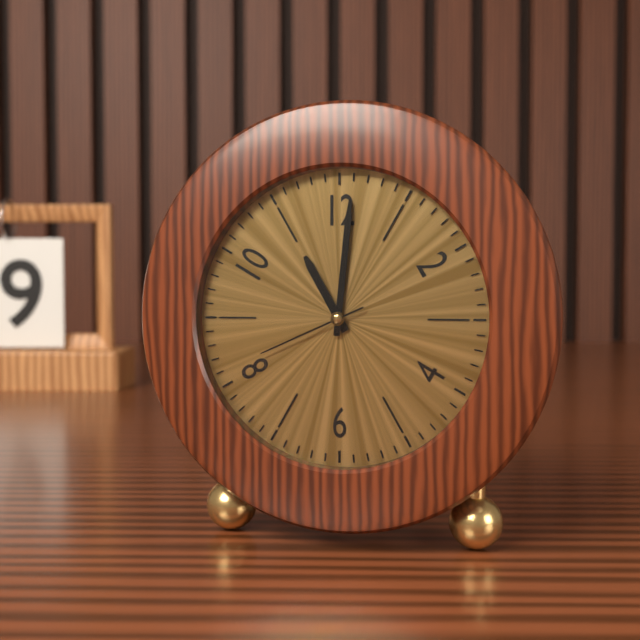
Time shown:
{"hour": 11, "minute": 1, "second": 41}
